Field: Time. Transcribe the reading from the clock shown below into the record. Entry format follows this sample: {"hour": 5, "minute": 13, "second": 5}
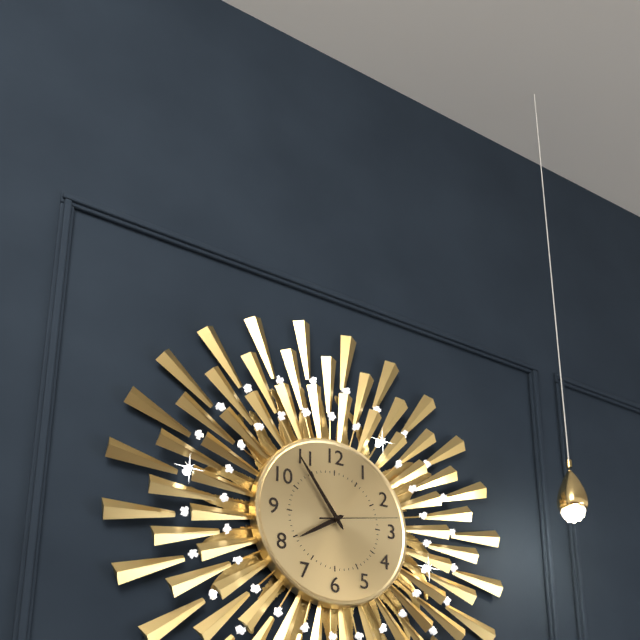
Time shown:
{"hour": 7, "minute": 54, "second": 13}
